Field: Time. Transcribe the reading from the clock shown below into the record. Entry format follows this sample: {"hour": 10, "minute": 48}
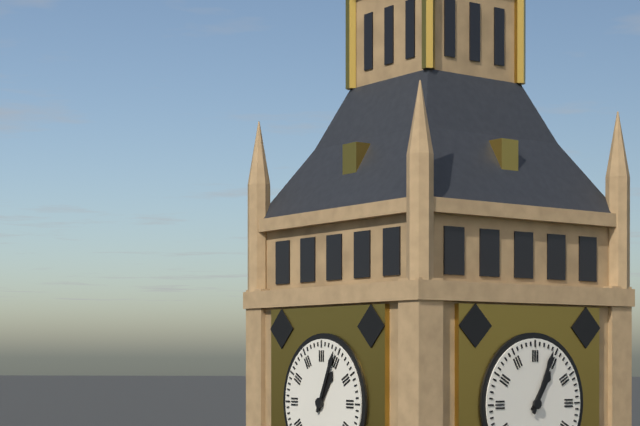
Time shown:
{"hour": 1, "minute": 4}
